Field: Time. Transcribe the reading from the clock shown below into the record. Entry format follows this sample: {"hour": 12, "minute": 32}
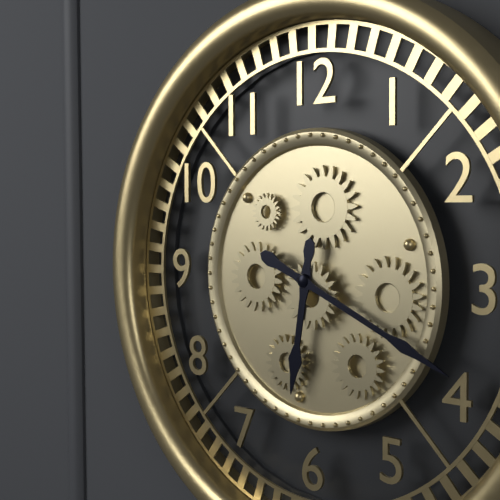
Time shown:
{"hour": 6, "minute": 19}
